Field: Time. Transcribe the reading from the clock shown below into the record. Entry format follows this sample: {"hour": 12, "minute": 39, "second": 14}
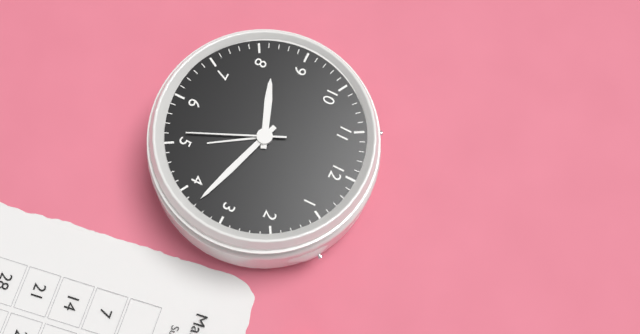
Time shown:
{"hour": 8, "minute": 18, "second": 26}
